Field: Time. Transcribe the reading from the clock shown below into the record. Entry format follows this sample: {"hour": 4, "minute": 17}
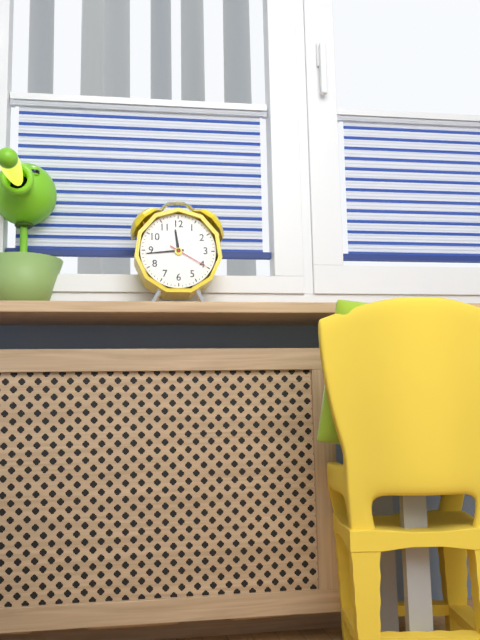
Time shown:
{"hour": 11, "minute": 44}
